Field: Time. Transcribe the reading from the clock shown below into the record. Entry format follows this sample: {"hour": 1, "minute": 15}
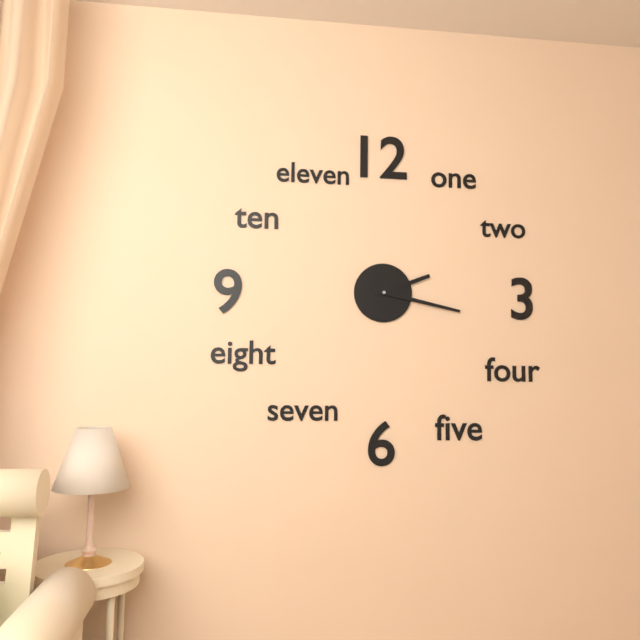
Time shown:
{"hour": 2, "minute": 17}
